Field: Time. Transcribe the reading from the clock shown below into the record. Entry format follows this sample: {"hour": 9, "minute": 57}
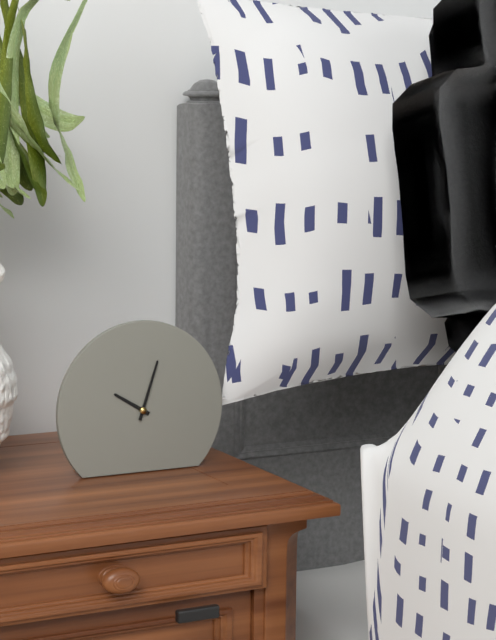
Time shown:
{"hour": 10, "minute": 3}
